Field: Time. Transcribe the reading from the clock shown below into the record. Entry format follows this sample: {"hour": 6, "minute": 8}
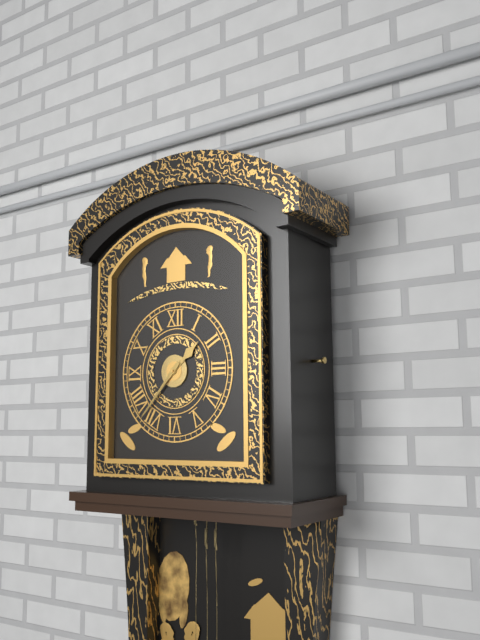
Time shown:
{"hour": 1, "minute": 37}
